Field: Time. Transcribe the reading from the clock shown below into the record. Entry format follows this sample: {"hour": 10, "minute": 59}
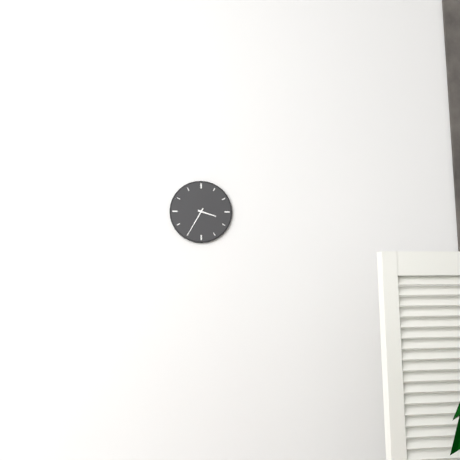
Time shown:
{"hour": 3, "minute": 35}
